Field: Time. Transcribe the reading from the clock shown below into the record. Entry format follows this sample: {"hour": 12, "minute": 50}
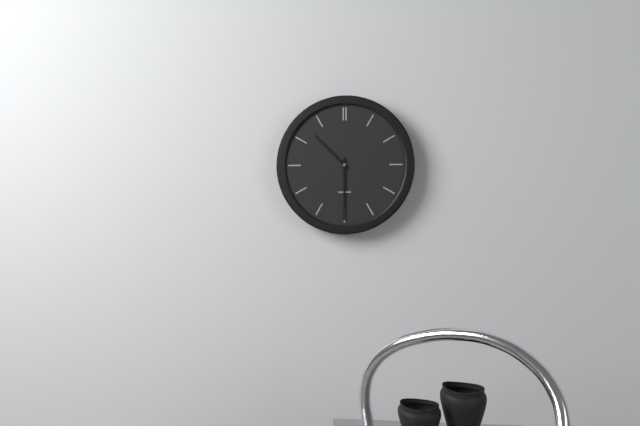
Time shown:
{"hour": 10, "minute": 30}
